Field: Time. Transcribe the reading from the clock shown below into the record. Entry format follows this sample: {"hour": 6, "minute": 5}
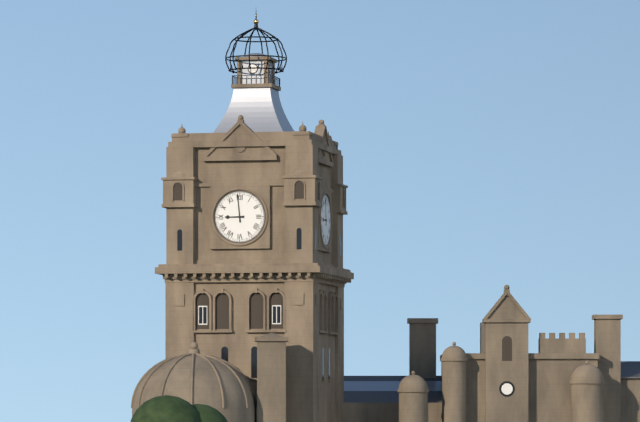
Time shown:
{"hour": 8, "minute": 59}
